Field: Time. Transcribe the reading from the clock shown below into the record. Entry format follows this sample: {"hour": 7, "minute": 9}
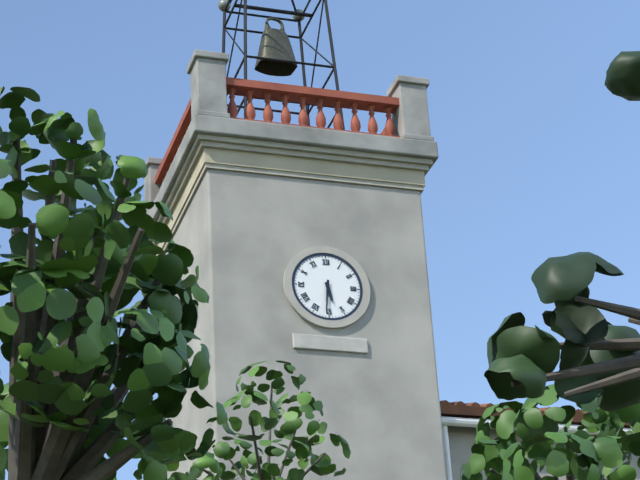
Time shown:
{"hour": 5, "minute": 31}
